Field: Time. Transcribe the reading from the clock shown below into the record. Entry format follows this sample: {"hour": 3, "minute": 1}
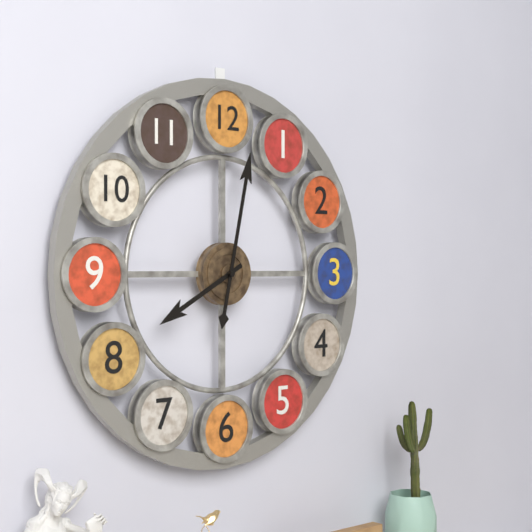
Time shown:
{"hour": 8, "minute": 2}
